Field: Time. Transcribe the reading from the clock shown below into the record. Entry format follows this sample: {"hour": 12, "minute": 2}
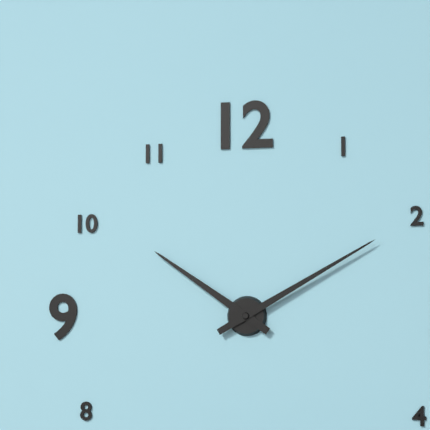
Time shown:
{"hour": 10, "minute": 10}
